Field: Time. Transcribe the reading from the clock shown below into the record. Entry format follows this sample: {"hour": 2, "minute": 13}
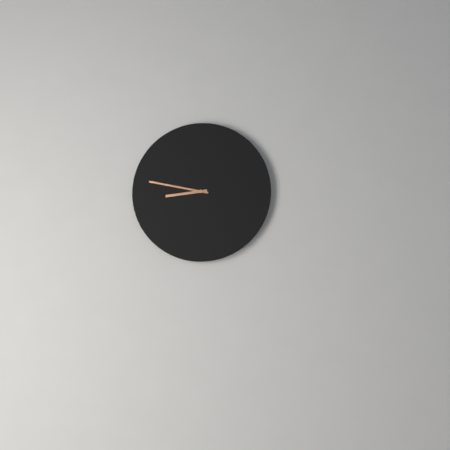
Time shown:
{"hour": 8, "minute": 47}
